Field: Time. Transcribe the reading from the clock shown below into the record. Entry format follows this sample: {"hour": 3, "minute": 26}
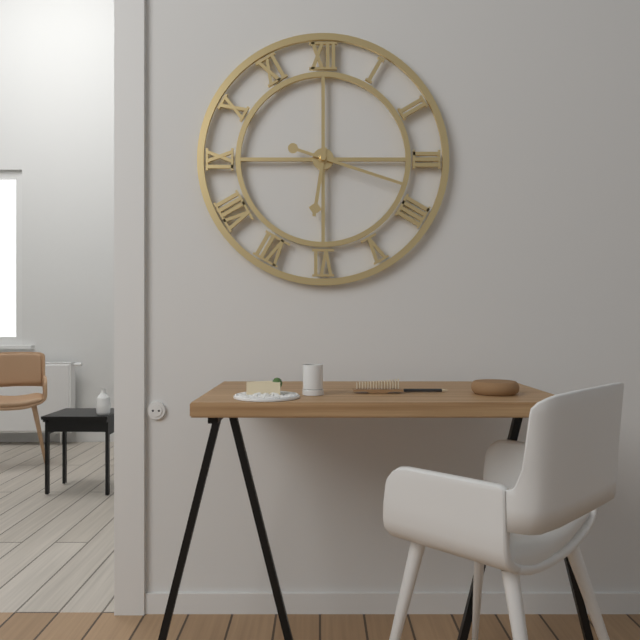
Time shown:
{"hour": 6, "minute": 18}
